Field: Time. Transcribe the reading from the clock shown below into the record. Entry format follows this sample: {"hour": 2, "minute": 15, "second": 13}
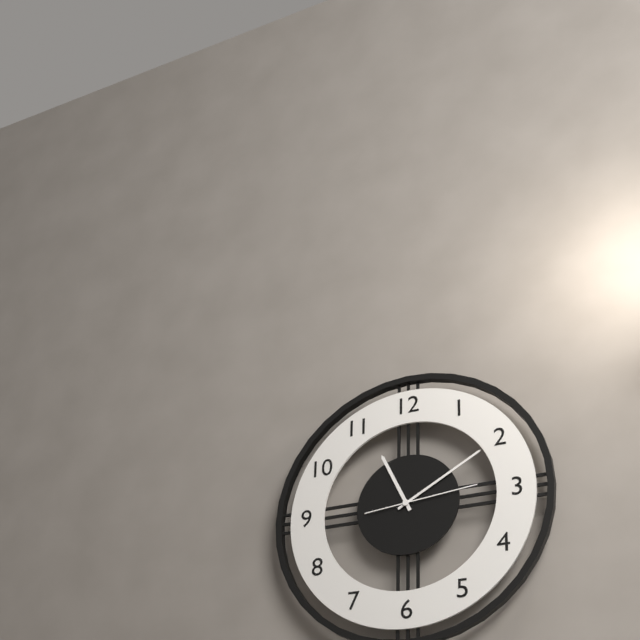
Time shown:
{"hour": 11, "minute": 10, "second": 14}
